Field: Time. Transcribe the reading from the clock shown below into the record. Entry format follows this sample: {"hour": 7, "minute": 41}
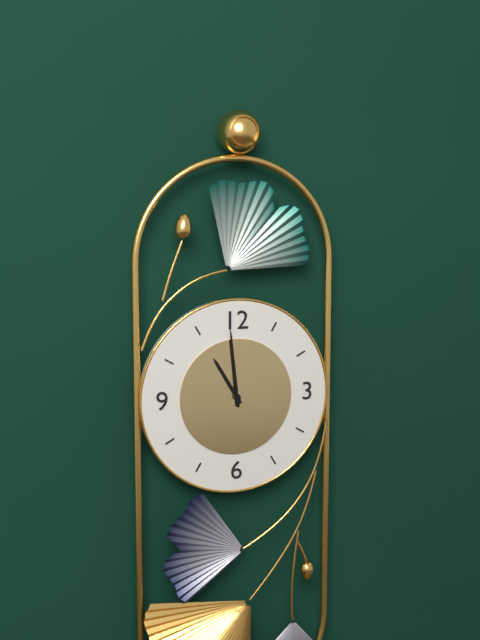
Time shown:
{"hour": 10, "minute": 59}
